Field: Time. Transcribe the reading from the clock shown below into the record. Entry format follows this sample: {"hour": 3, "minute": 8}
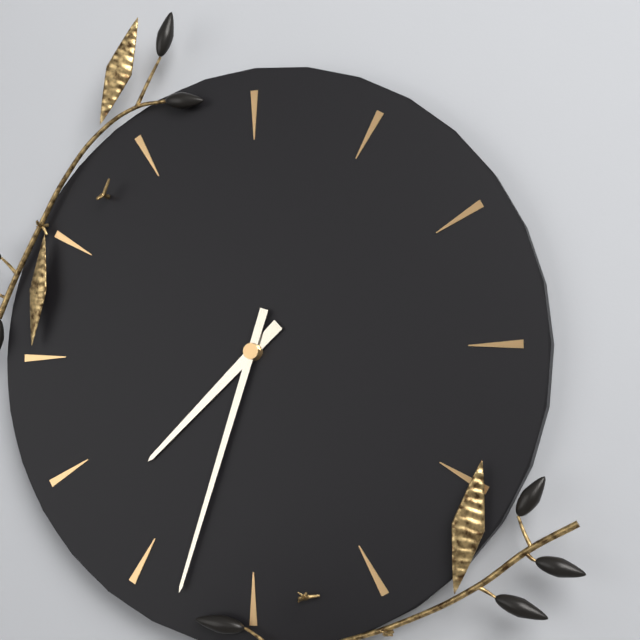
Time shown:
{"hour": 7, "minute": 33}
